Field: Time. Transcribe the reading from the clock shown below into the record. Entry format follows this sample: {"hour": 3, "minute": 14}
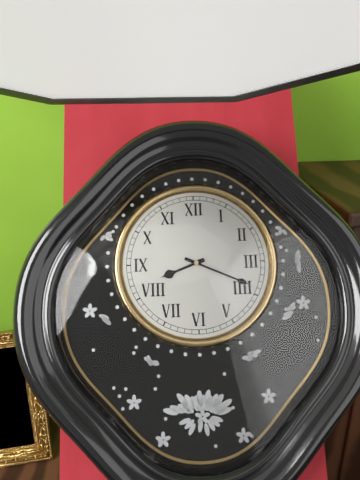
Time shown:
{"hour": 8, "minute": 19}
